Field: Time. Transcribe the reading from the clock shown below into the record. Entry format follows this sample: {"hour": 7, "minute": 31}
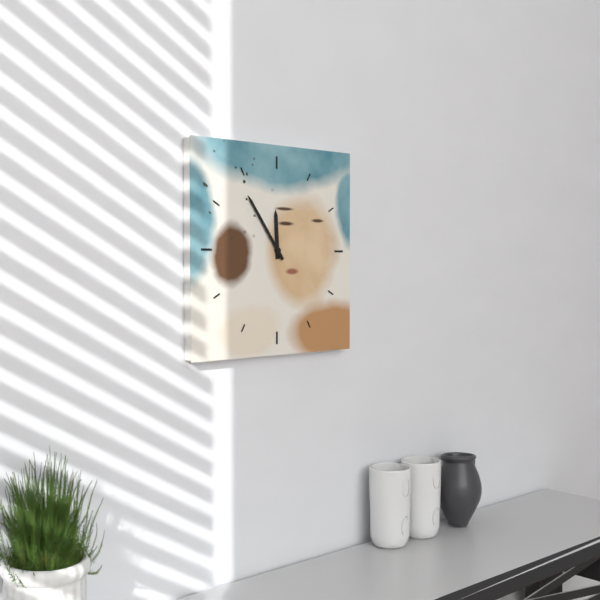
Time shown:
{"hour": 11, "minute": 54}
